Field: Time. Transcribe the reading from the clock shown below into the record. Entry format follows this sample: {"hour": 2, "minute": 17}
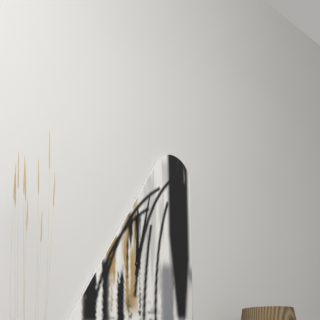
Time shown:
{"hour": 12, "minute": 2}
